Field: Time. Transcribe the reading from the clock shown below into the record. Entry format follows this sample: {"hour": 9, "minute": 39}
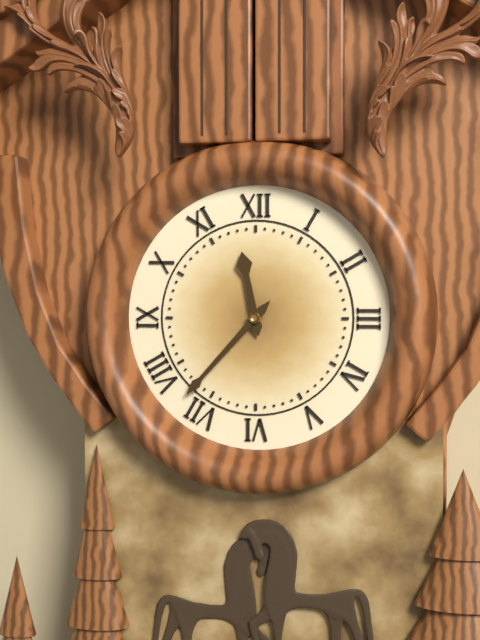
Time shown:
{"hour": 11, "minute": 37}
